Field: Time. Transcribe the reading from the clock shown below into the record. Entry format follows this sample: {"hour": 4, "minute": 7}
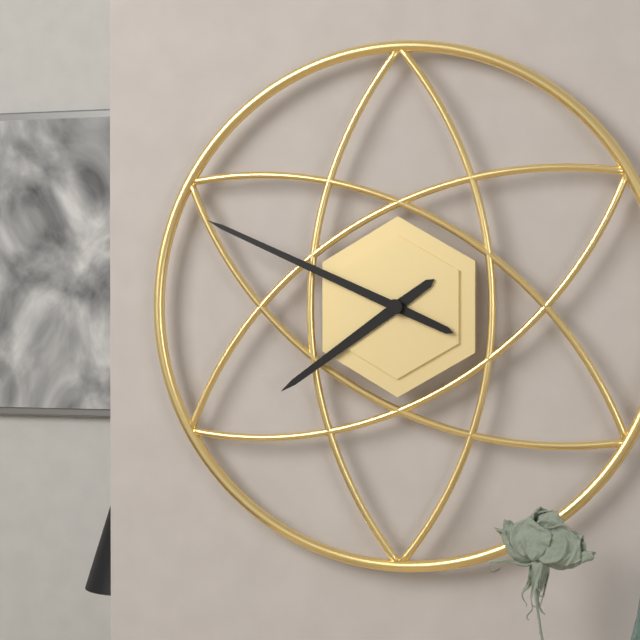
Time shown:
{"hour": 7, "minute": 49}
